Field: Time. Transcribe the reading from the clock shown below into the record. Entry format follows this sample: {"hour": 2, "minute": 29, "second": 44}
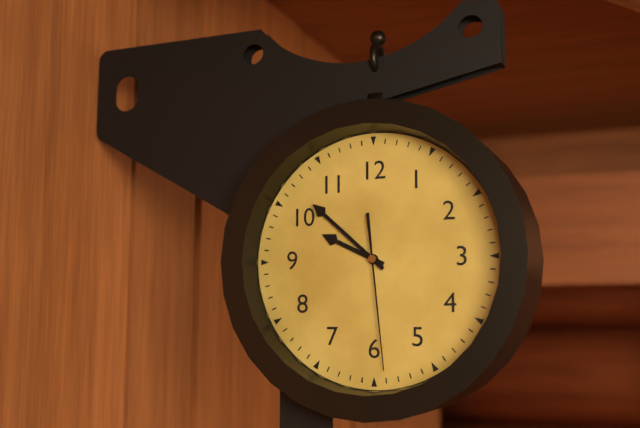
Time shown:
{"hour": 9, "minute": 52, "second": 29}
